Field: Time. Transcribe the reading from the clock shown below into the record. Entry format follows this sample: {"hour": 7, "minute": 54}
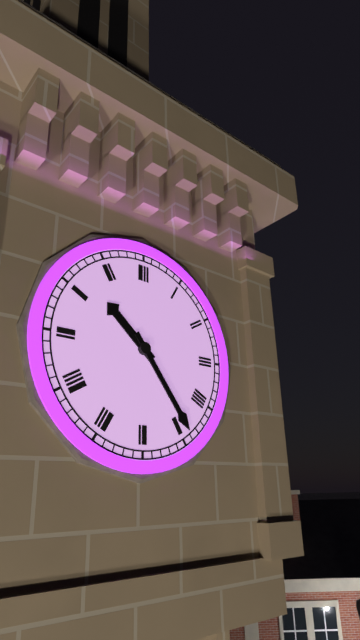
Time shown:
{"hour": 10, "minute": 24}
